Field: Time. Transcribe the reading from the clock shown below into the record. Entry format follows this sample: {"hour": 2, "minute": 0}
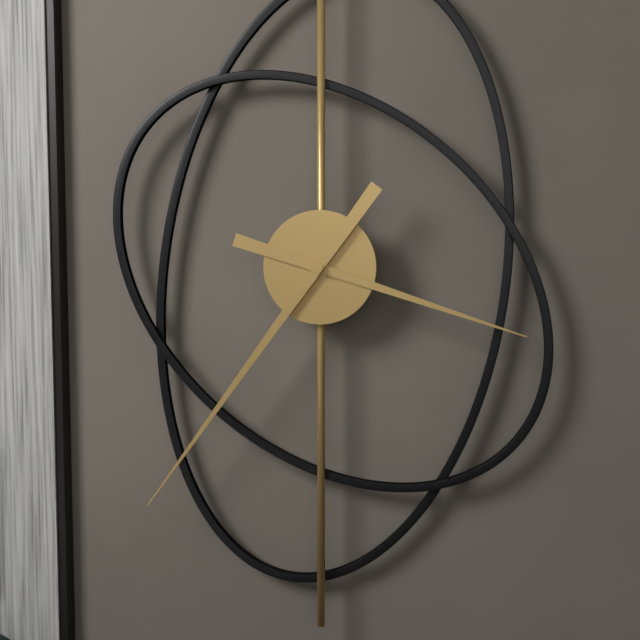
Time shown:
{"hour": 3, "minute": 36}
